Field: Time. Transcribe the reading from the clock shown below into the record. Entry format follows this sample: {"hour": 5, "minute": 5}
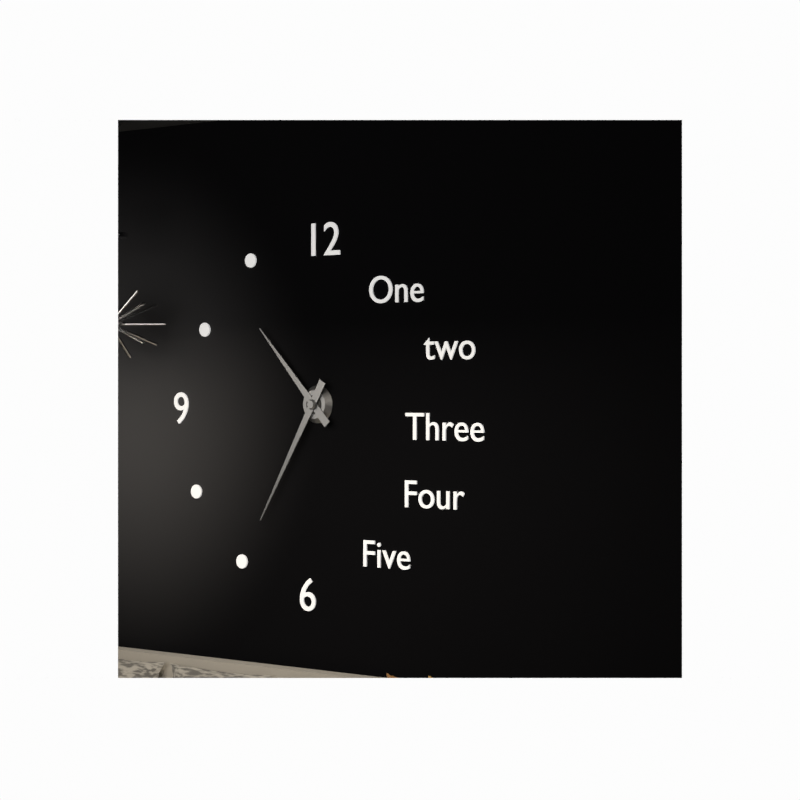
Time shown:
{"hour": 10, "minute": 35}
